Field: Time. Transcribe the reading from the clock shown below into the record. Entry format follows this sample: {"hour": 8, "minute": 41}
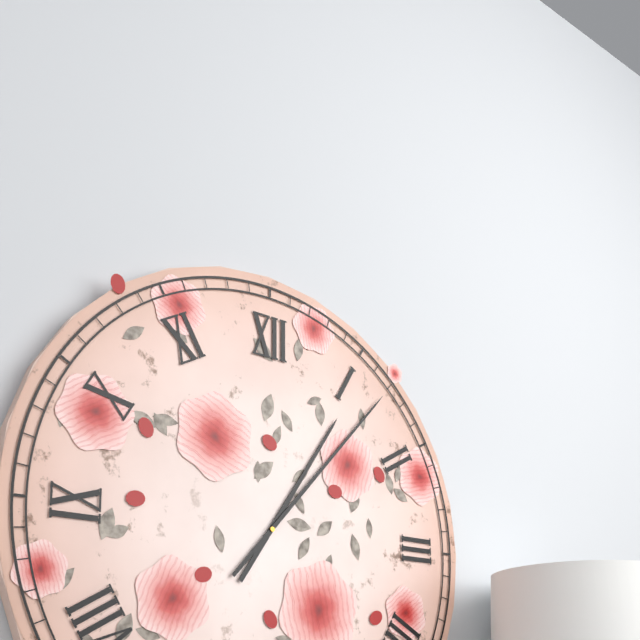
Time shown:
{"hour": 1, "minute": 7}
